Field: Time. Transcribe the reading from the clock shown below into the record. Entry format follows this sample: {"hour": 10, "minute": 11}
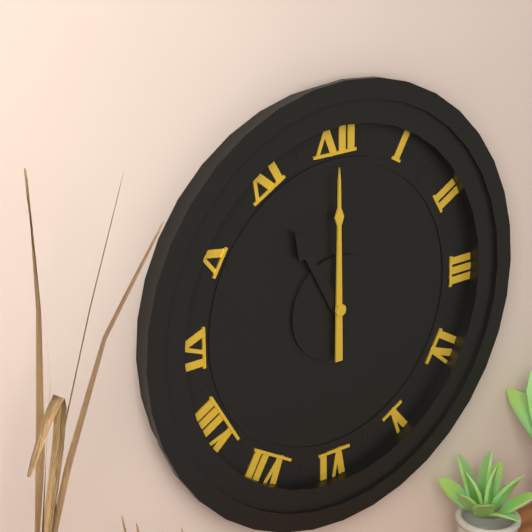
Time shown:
{"hour": 11, "minute": 0}
